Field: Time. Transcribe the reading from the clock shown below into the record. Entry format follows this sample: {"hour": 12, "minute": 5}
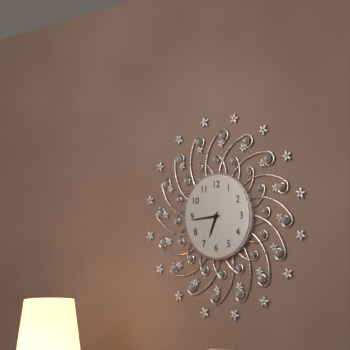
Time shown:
{"hour": 6, "minute": 44}
